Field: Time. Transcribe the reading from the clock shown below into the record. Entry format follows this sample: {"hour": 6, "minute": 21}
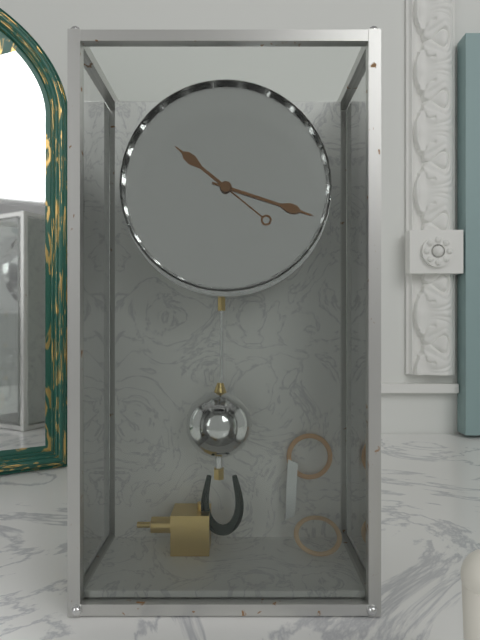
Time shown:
{"hour": 10, "minute": 18}
